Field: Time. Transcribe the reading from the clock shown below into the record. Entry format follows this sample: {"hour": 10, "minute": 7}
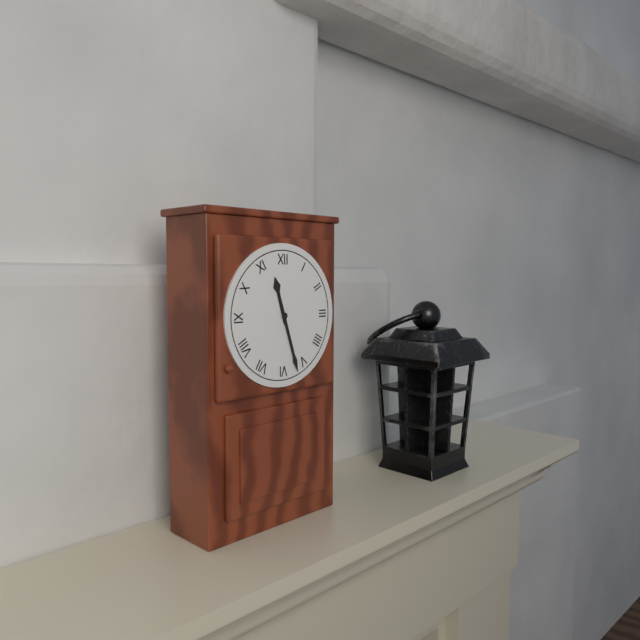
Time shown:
{"hour": 11, "minute": 27}
